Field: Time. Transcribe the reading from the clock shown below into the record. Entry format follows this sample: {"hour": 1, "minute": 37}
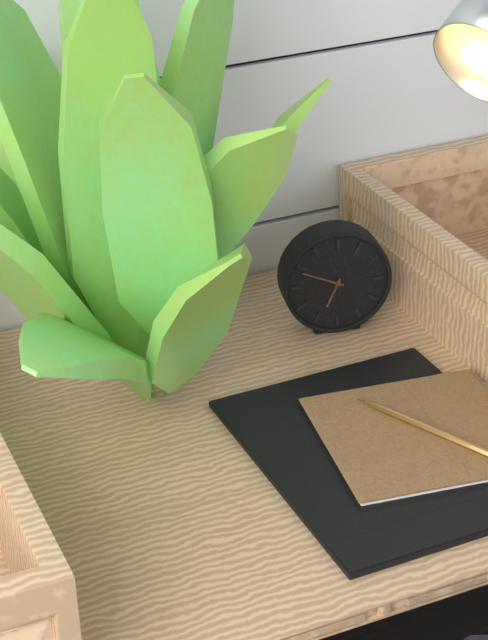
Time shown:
{"hour": 6, "minute": 49}
